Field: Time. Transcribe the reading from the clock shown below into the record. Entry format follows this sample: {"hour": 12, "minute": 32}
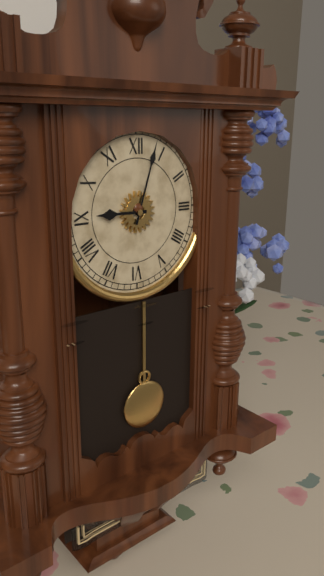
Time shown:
{"hour": 9, "minute": 3}
